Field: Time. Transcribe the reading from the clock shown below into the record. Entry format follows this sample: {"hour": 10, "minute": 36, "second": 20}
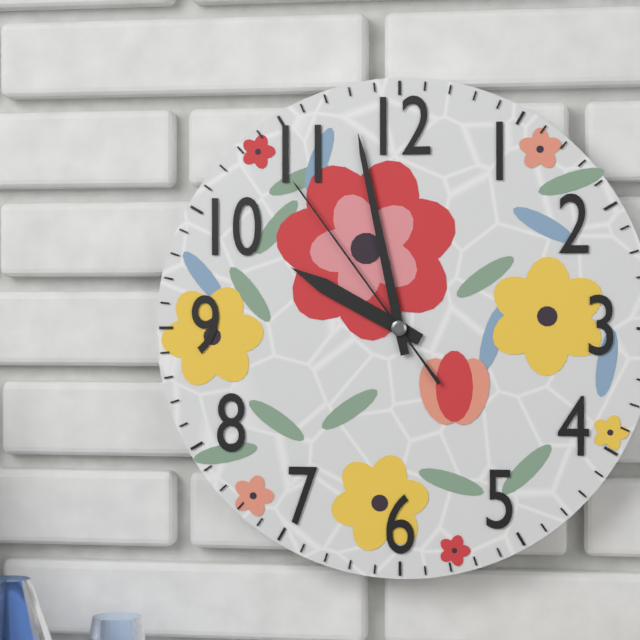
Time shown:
{"hour": 9, "minute": 58, "second": 54}
